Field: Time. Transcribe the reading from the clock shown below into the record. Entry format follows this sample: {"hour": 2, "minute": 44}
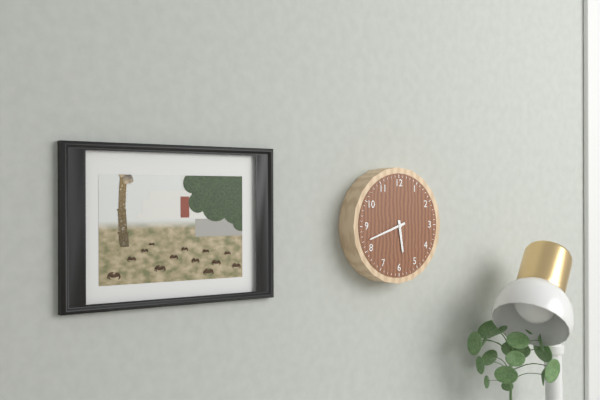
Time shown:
{"hour": 5, "minute": 42}
